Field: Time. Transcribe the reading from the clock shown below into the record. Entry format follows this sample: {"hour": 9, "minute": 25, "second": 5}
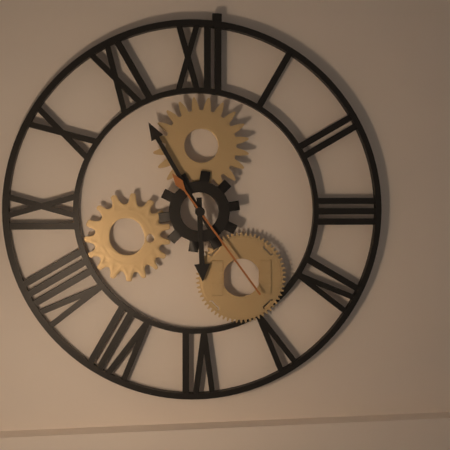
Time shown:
{"hour": 5, "minute": 55, "second": 24}
